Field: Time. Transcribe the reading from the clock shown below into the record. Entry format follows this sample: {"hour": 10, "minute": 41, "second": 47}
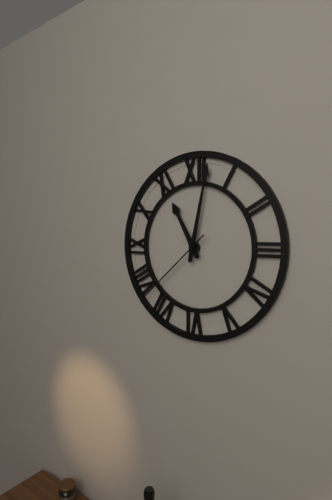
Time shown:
{"hour": 11, "minute": 2, "second": 38}
